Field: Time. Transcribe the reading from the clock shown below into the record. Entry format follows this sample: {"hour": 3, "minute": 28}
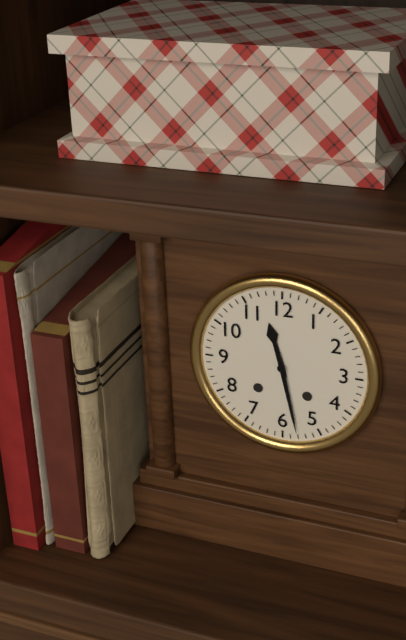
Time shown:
{"hour": 11, "minute": 28}
